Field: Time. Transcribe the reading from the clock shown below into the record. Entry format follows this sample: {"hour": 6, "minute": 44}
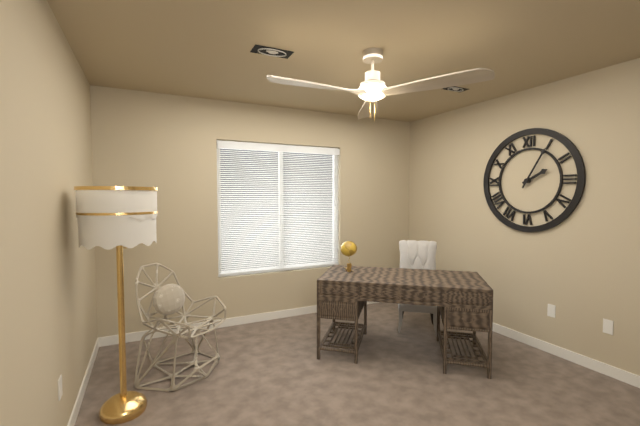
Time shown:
{"hour": 2, "minute": 5}
